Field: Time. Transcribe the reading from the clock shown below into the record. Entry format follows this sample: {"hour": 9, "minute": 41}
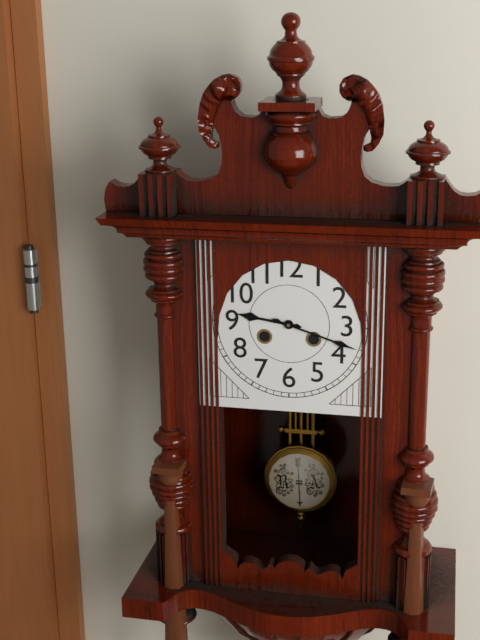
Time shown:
{"hour": 9, "minute": 18}
